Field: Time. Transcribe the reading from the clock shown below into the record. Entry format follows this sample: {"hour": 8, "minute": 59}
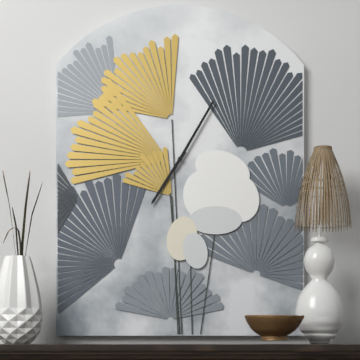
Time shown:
{"hour": 7, "minute": 5}
